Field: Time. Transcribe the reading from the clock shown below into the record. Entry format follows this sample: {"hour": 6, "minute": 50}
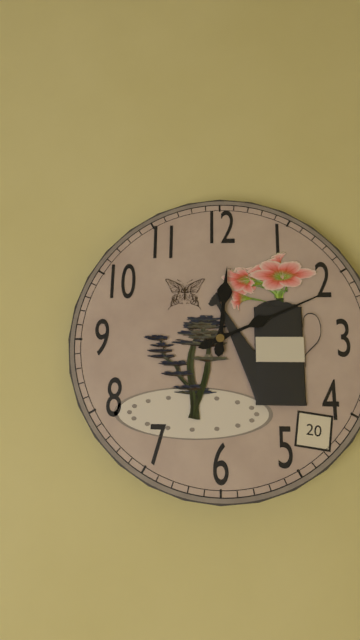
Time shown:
{"hour": 12, "minute": 11}
